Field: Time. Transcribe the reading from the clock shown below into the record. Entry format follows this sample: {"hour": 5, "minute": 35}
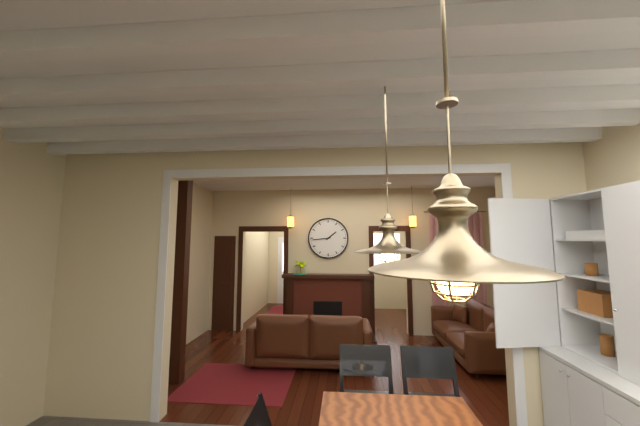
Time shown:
{"hour": 1, "minute": 44}
